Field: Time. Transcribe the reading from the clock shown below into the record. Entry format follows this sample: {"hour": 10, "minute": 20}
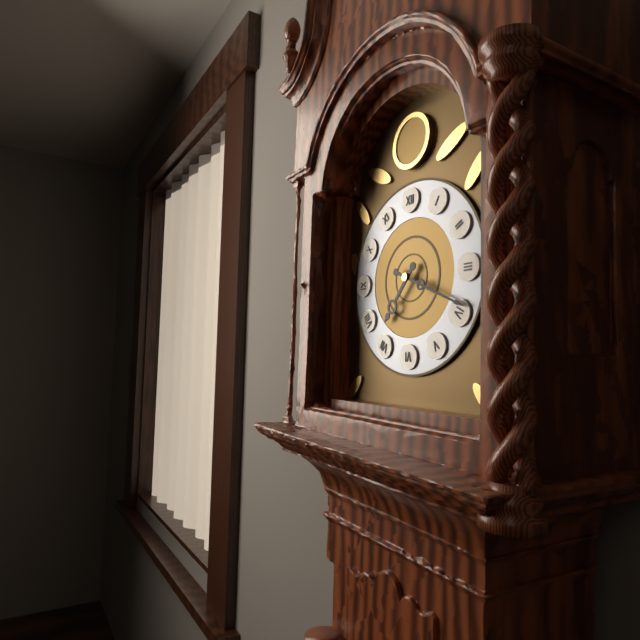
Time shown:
{"hour": 7, "minute": 19}
